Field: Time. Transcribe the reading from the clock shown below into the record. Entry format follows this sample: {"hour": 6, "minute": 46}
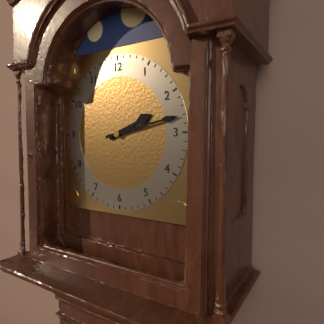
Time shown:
{"hour": 2, "minute": 13}
